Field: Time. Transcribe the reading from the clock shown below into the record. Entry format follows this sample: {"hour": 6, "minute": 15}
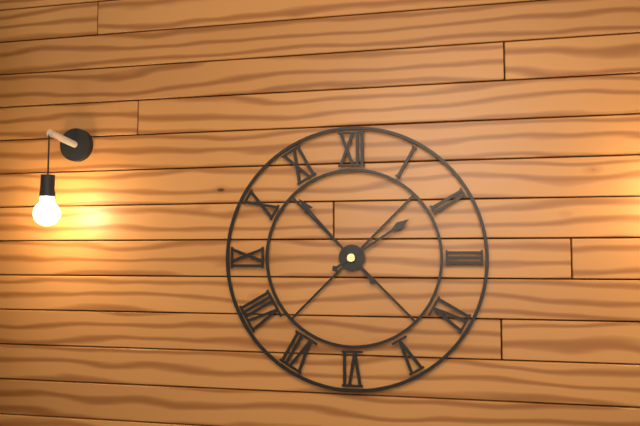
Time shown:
{"hour": 1, "minute": 53}
